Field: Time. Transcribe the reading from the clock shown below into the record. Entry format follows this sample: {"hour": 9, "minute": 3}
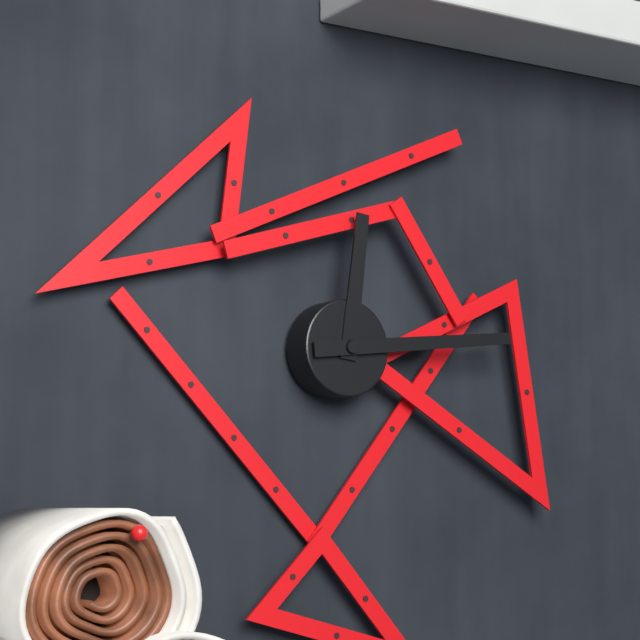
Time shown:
{"hour": 12, "minute": 14}
